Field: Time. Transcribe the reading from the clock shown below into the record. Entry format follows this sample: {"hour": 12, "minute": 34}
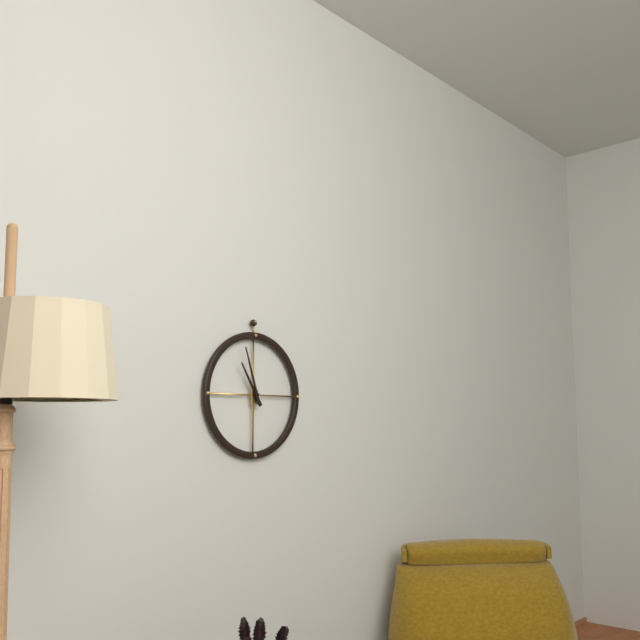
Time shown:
{"hour": 10, "minute": 57}
